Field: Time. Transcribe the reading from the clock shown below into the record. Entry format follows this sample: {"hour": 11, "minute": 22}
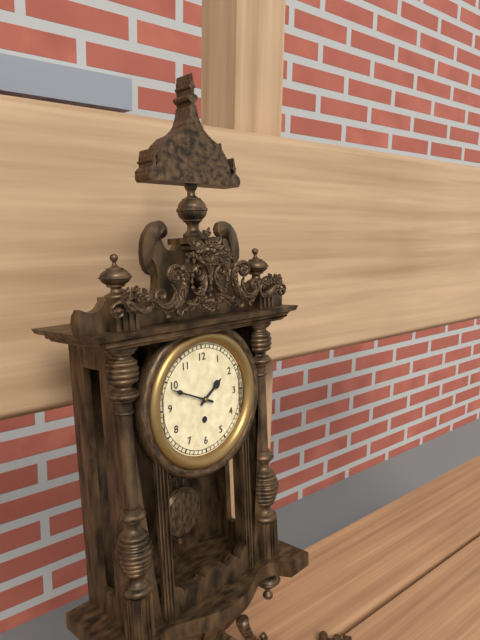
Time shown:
{"hour": 1, "minute": 49}
